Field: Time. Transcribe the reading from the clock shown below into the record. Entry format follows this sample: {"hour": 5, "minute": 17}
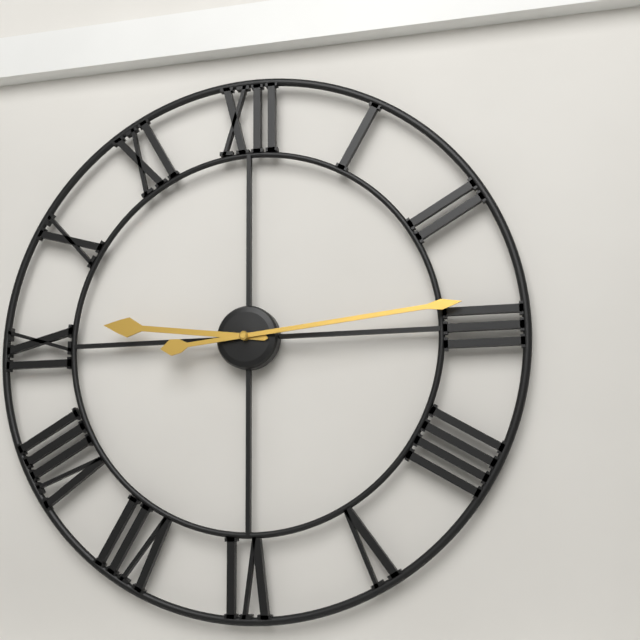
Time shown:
{"hour": 9, "minute": 14}
